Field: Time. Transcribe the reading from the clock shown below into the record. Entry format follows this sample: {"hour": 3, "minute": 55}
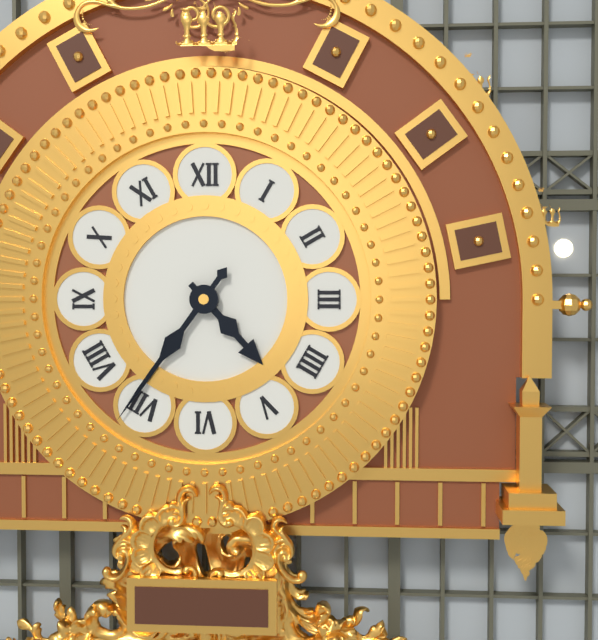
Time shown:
{"hour": 4, "minute": 36}
